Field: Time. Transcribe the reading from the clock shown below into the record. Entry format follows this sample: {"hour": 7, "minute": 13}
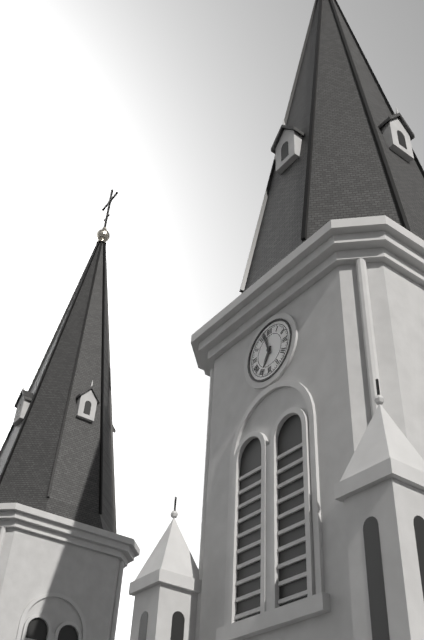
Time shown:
{"hour": 6, "minute": 57}
